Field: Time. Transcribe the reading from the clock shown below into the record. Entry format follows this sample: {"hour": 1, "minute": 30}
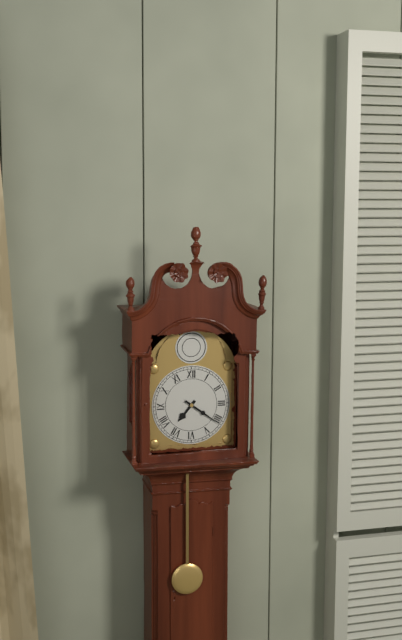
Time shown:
{"hour": 7, "minute": 21}
